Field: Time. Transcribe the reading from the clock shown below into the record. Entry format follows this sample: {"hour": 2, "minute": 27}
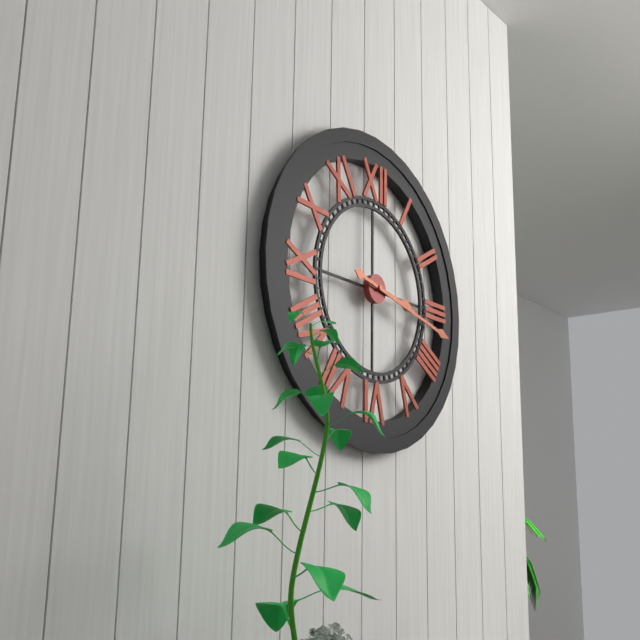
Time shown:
{"hour": 3, "minute": 17}
